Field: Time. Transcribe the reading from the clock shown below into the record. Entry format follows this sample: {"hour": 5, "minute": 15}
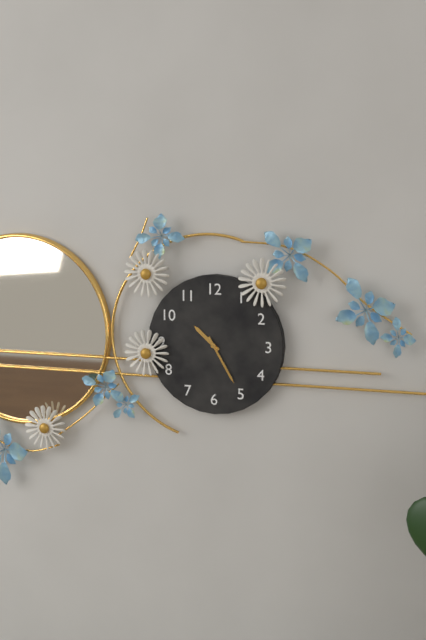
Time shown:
{"hour": 10, "minute": 25}
